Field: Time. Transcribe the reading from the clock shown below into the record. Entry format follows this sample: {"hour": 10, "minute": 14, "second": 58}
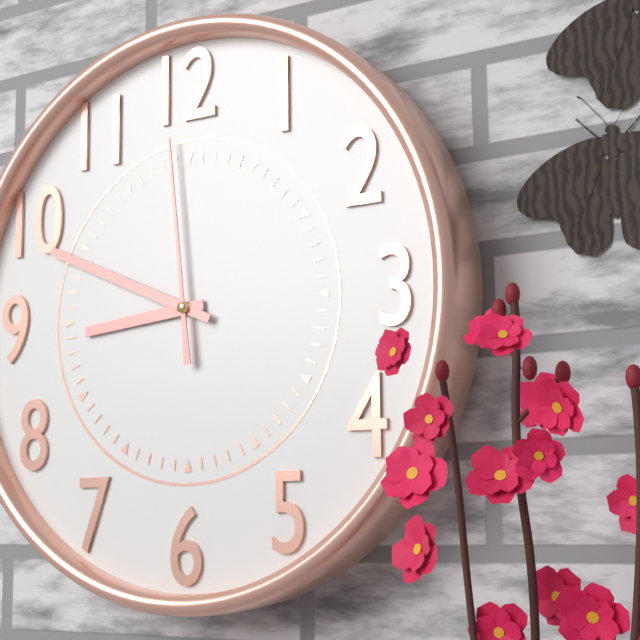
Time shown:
{"hour": 8, "minute": 49, "second": 59}
